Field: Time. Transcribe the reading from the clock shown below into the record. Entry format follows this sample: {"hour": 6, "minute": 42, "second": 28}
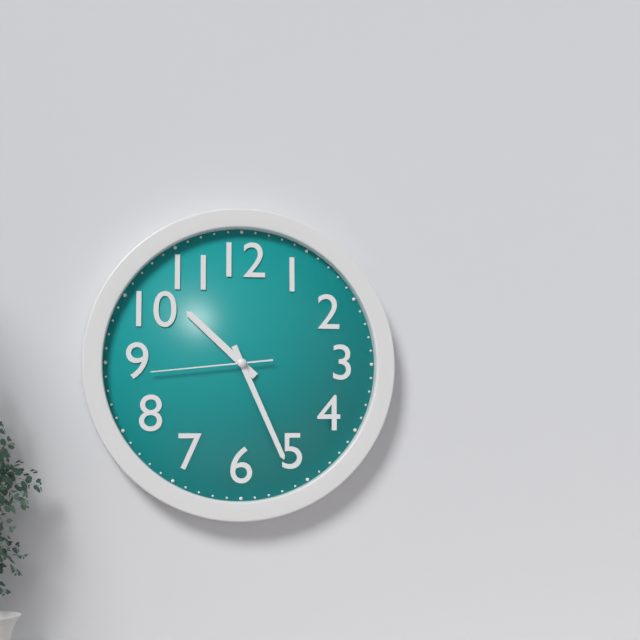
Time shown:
{"hour": 10, "minute": 26, "second": 44}
